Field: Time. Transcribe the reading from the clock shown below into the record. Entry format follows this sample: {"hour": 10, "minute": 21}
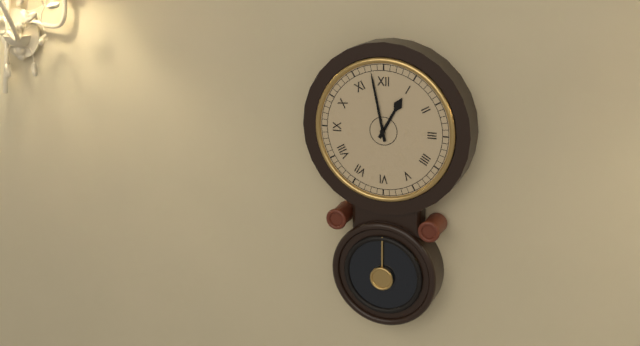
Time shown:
{"hour": 12, "minute": 58}
